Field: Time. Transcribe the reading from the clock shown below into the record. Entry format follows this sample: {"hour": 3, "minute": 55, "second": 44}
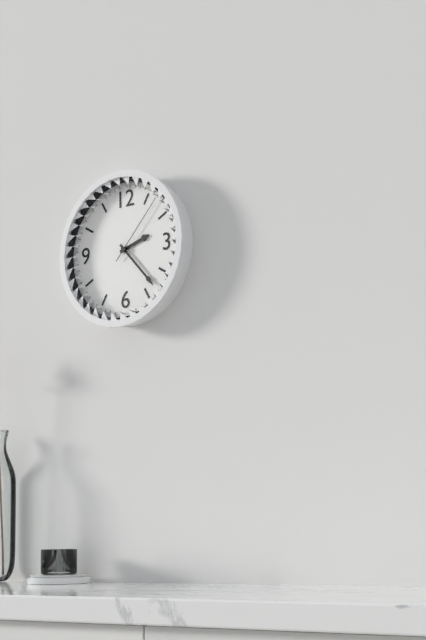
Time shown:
{"hour": 2, "minute": 23, "second": 7}
